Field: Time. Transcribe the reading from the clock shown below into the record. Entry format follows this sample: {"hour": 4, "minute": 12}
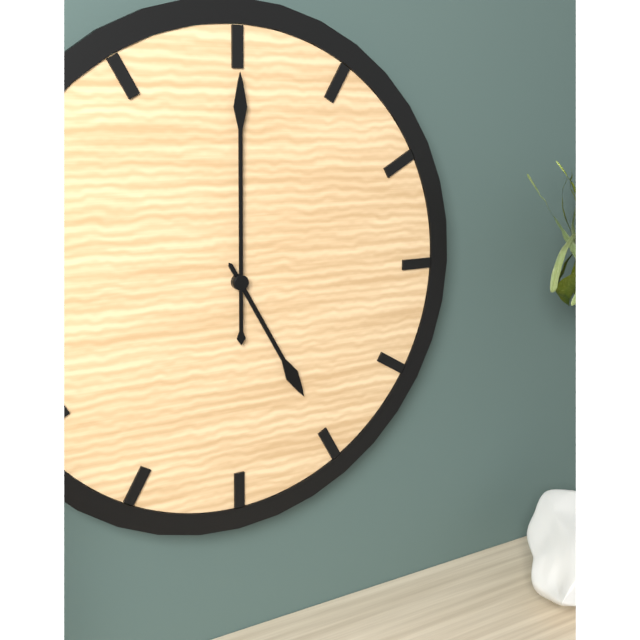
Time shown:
{"hour": 5, "minute": 0}
